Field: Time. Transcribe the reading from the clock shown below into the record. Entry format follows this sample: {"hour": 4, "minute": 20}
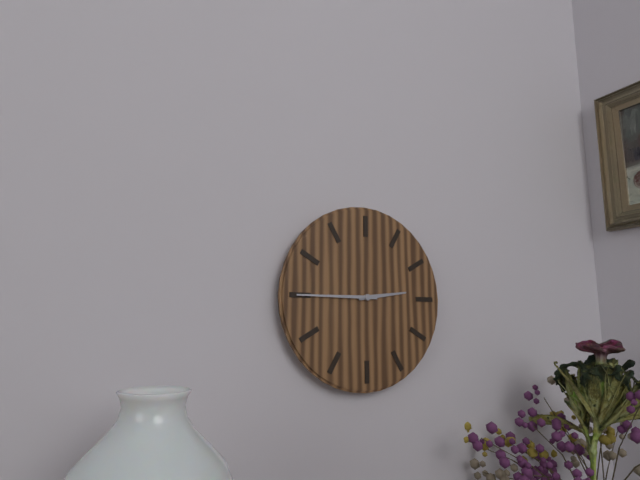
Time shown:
{"hour": 2, "minute": 45}
